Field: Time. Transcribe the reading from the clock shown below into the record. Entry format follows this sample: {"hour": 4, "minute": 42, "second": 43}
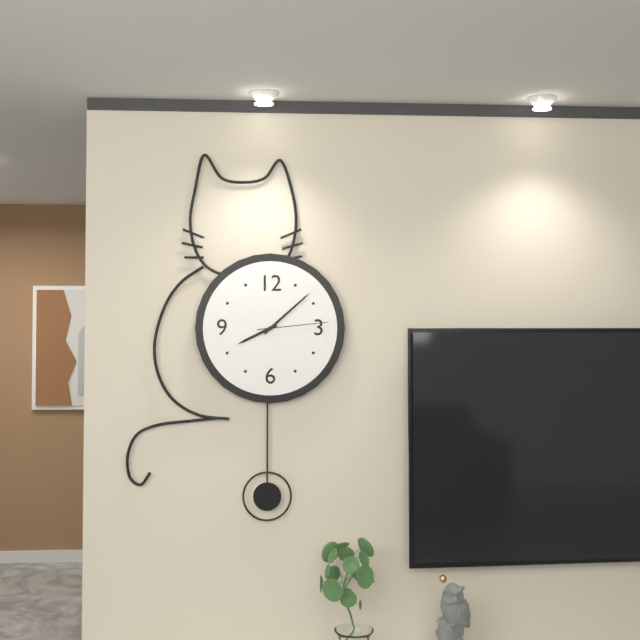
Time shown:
{"hour": 8, "minute": 8, "second": 14}
